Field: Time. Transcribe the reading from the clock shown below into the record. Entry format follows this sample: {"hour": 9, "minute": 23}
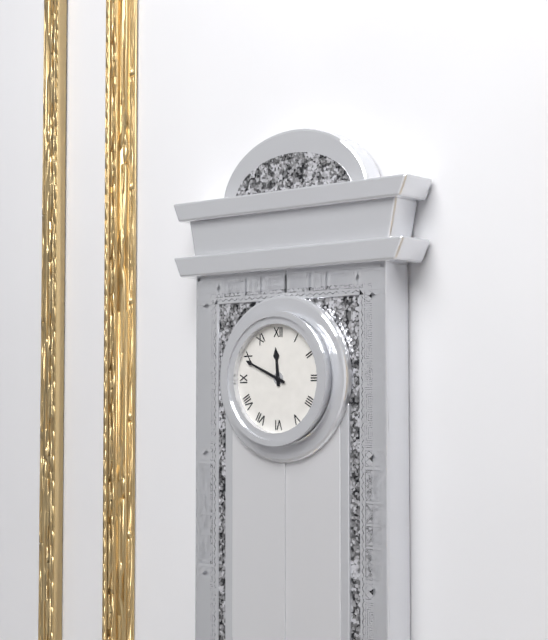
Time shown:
{"hour": 11, "minute": 49}
